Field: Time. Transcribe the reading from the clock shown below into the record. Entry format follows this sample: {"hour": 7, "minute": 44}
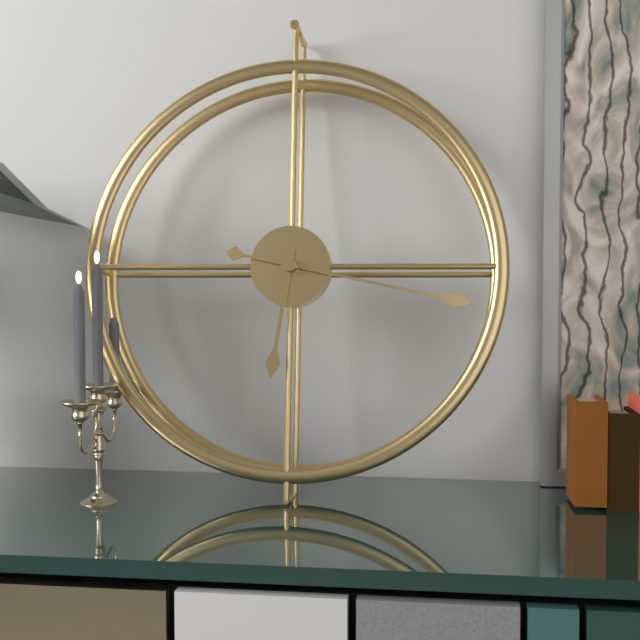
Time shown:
{"hour": 6, "minute": 17}
